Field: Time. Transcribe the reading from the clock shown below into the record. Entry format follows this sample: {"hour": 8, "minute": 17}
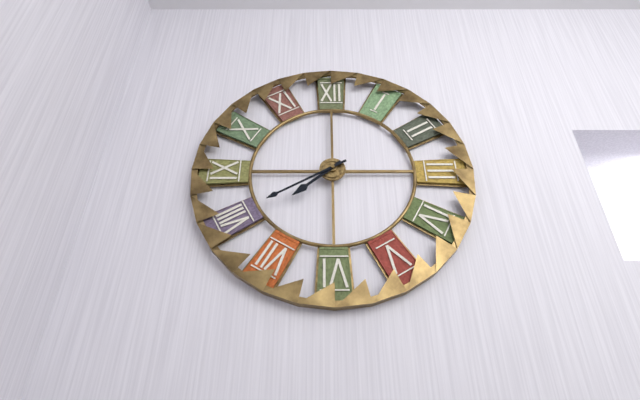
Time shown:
{"hour": 7, "minute": 40}
